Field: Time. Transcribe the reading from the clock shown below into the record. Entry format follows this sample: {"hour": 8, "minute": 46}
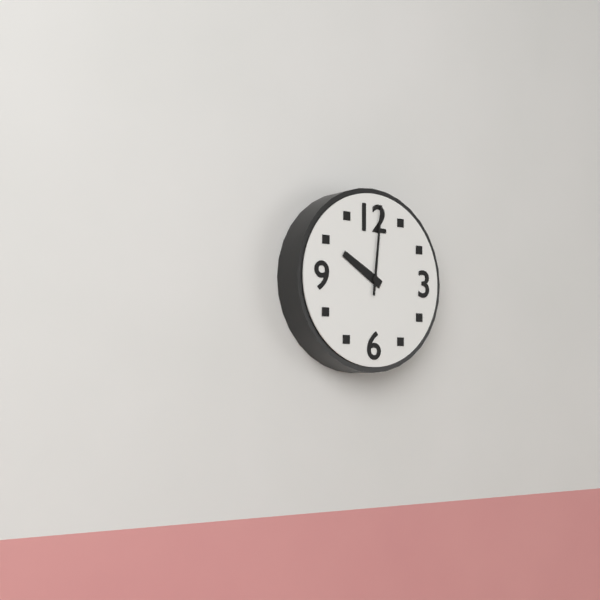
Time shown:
{"hour": 10, "minute": 1}
